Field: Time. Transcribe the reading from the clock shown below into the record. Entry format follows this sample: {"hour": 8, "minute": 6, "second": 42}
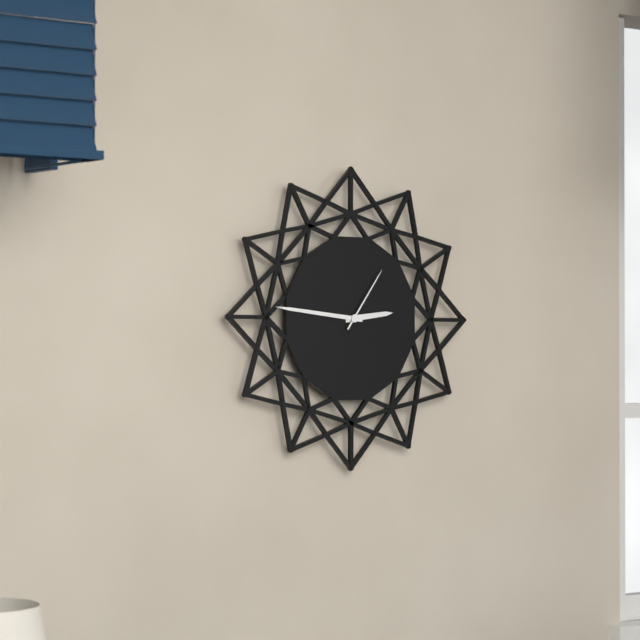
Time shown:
{"hour": 2, "minute": 46, "second": 6}
